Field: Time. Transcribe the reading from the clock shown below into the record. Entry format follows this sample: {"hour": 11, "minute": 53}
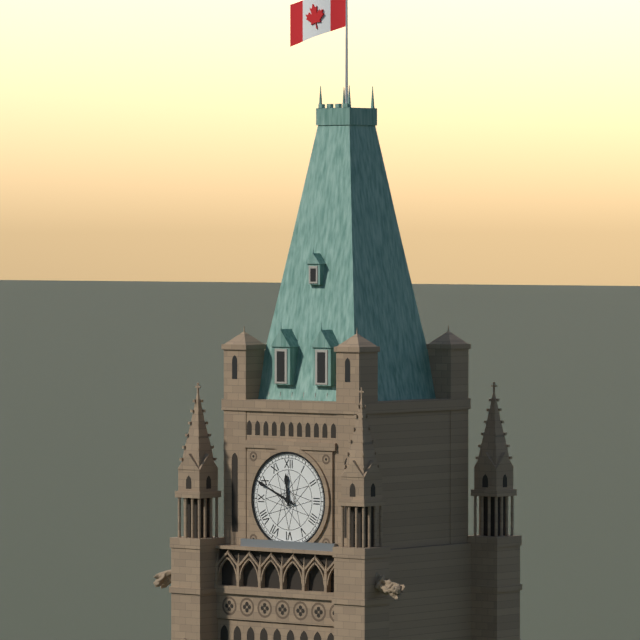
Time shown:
{"hour": 11, "minute": 49}
